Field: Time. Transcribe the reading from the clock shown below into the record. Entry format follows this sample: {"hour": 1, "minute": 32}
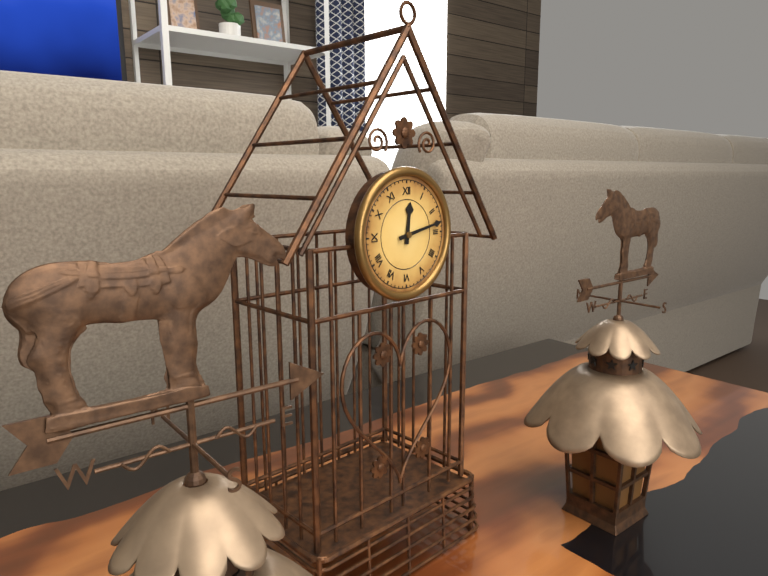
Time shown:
{"hour": 12, "minute": 13}
